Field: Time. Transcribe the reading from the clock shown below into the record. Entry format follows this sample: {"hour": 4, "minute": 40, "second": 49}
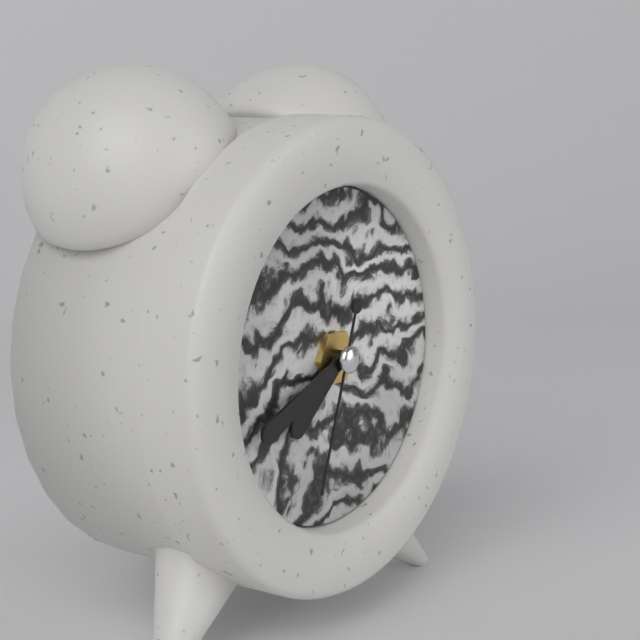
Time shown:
{"hour": 7, "minute": 41, "second": 33}
